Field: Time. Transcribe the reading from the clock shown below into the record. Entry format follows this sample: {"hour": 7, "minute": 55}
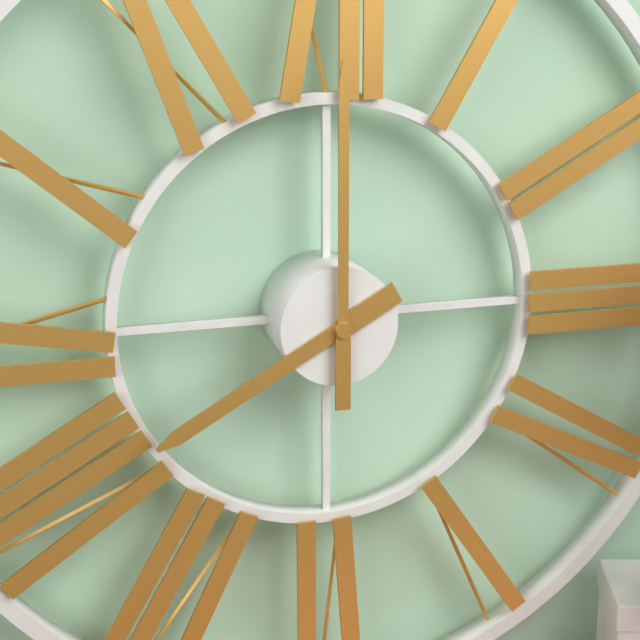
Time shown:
{"hour": 8, "minute": 0}
